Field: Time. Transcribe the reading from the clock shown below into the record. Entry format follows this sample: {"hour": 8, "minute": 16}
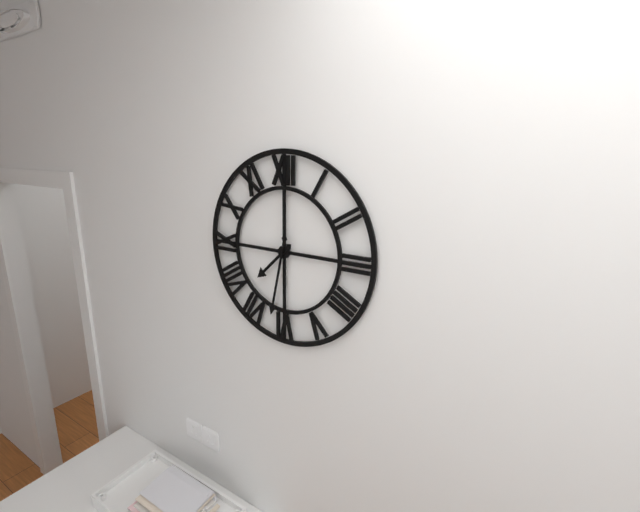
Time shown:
{"hour": 7, "minute": 32}
